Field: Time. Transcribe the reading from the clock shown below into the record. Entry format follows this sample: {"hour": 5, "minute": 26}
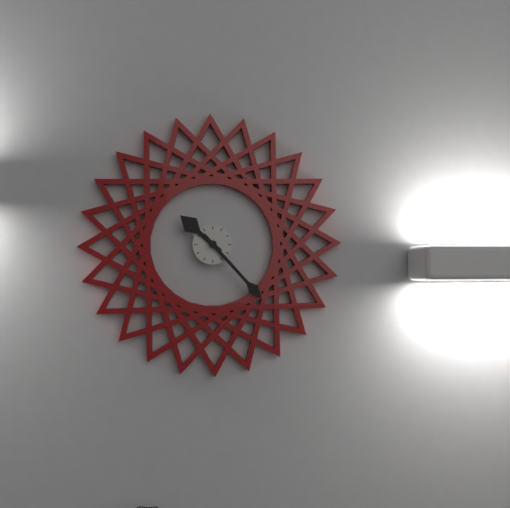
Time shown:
{"hour": 10, "minute": 23}
